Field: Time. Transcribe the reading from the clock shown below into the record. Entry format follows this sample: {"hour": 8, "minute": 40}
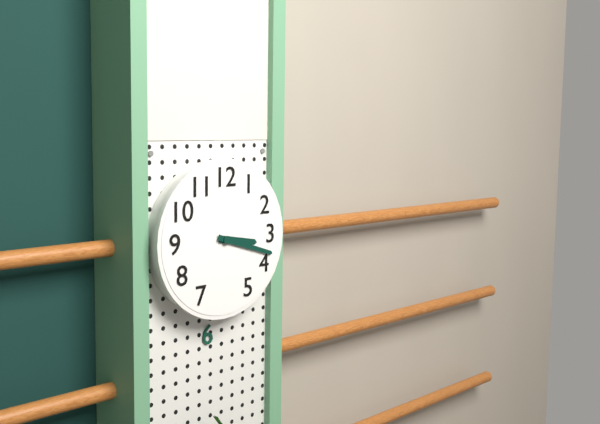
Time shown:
{"hour": 3, "minute": 18}
